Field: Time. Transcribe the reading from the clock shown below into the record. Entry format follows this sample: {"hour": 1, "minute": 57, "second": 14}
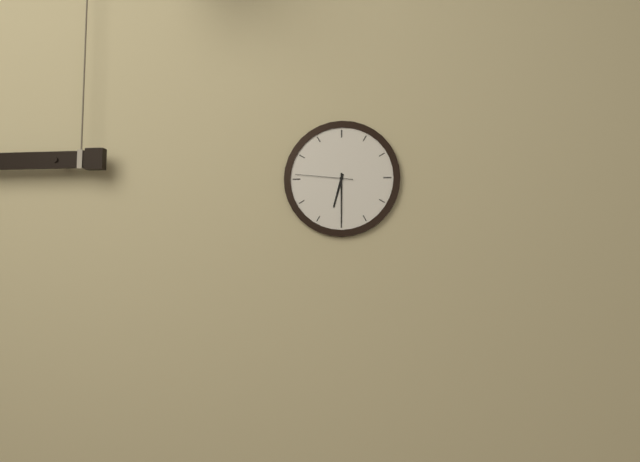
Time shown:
{"hour": 6, "minute": 30, "second": 46}
